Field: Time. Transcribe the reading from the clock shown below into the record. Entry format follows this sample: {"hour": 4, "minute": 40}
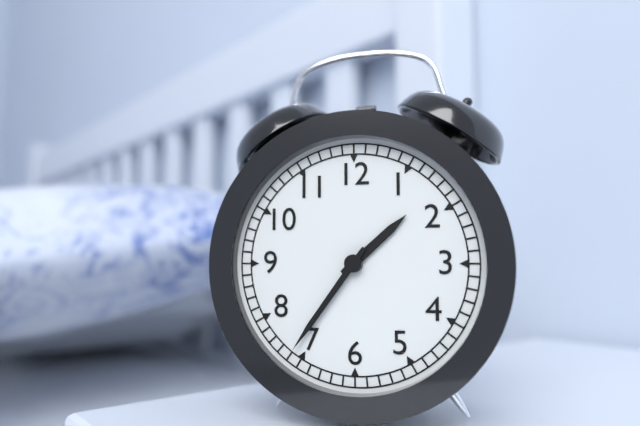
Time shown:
{"hour": 1, "minute": 36}
